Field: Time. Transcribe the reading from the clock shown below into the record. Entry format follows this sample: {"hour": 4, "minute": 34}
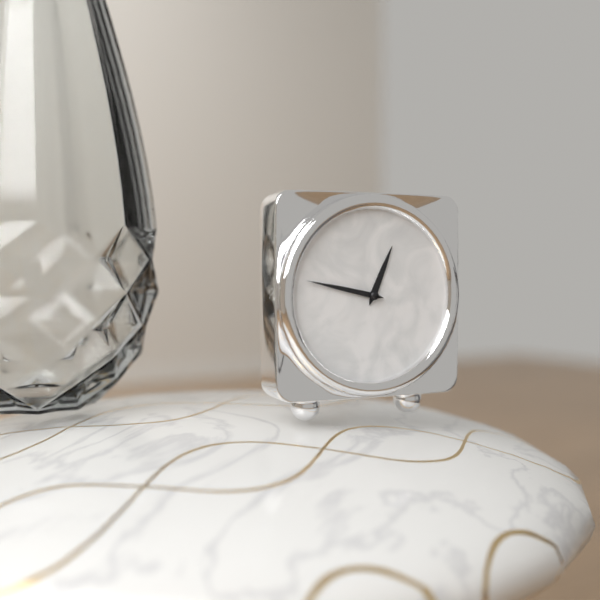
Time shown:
{"hour": 12, "minute": 47}
